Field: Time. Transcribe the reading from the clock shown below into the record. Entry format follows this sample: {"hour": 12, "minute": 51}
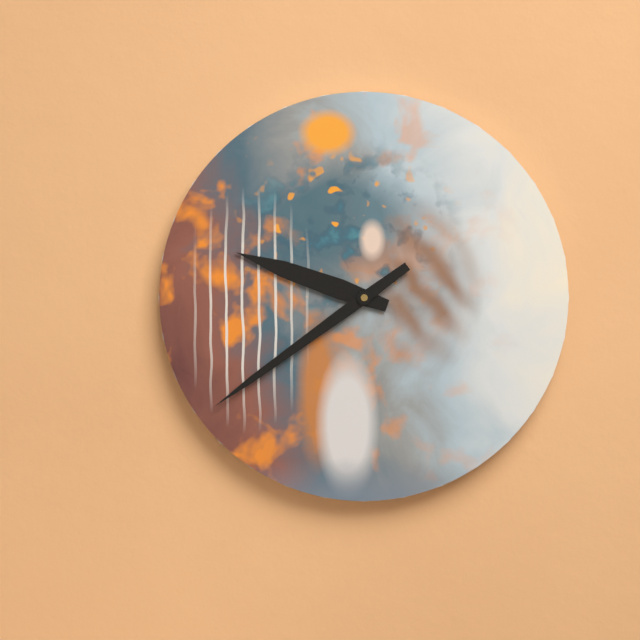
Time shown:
{"hour": 9, "minute": 39}
